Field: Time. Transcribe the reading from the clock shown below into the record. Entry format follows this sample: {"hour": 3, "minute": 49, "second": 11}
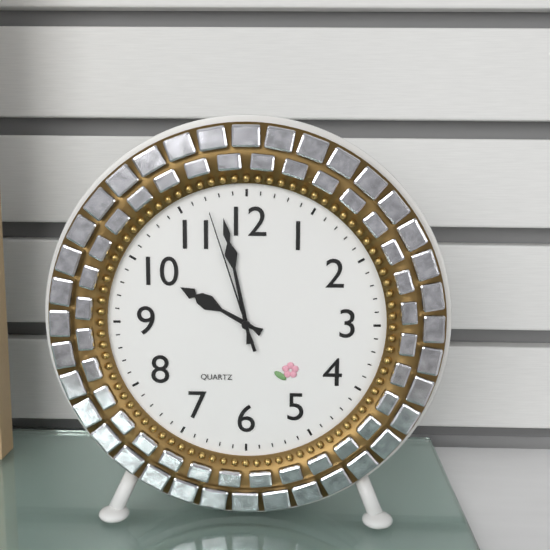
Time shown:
{"hour": 9, "minute": 58, "second": 57}
